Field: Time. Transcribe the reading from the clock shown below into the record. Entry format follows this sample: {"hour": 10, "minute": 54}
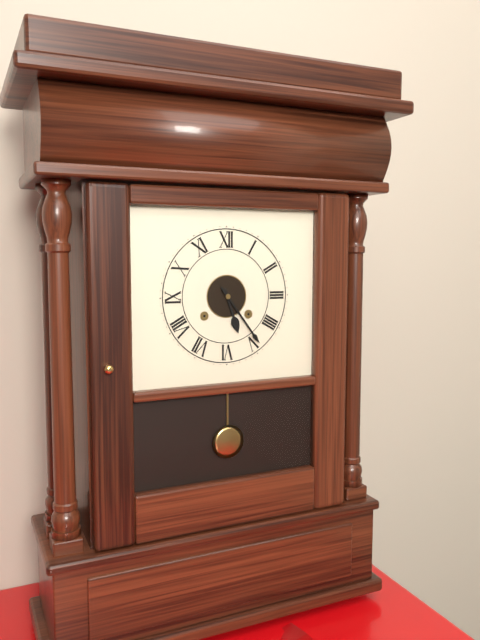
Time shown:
{"hour": 5, "minute": 24}
